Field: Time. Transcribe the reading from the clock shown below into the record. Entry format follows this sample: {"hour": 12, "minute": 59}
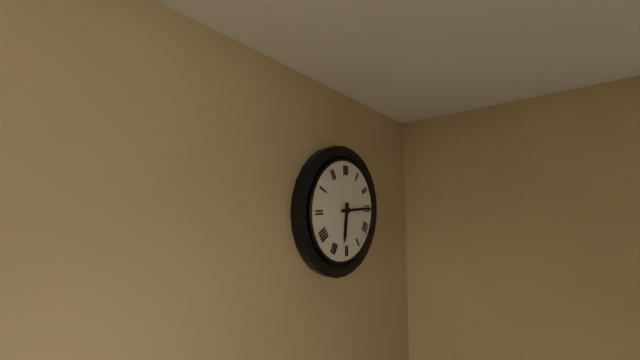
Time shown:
{"hour": 6, "minute": 15}
